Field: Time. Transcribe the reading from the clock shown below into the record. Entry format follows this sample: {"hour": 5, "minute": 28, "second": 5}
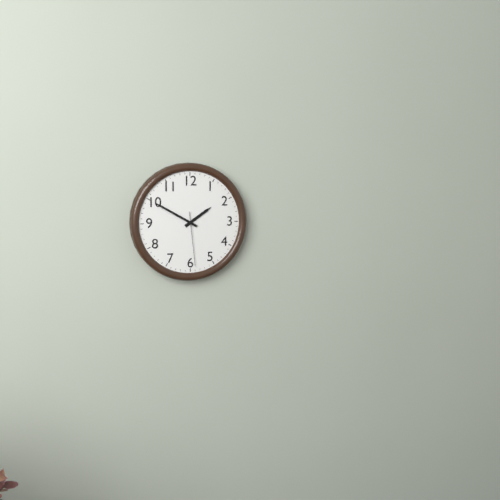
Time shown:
{"hour": 1, "minute": 50, "second": 29}
